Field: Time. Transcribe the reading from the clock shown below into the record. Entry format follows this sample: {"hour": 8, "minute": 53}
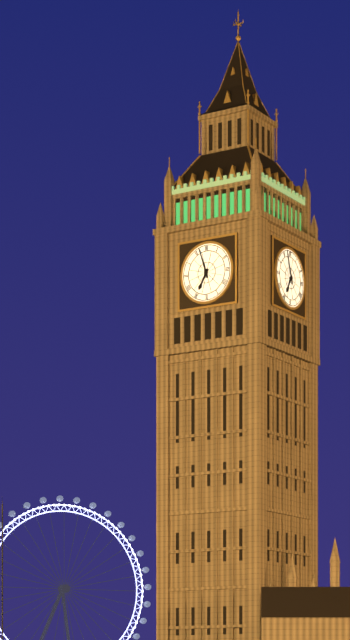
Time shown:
{"hour": 6, "minute": 57}
